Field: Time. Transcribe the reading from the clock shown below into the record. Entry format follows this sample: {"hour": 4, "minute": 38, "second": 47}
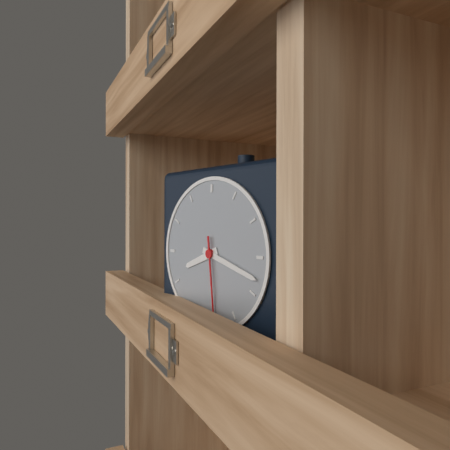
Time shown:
{"hour": 8, "minute": 18, "second": 29}
